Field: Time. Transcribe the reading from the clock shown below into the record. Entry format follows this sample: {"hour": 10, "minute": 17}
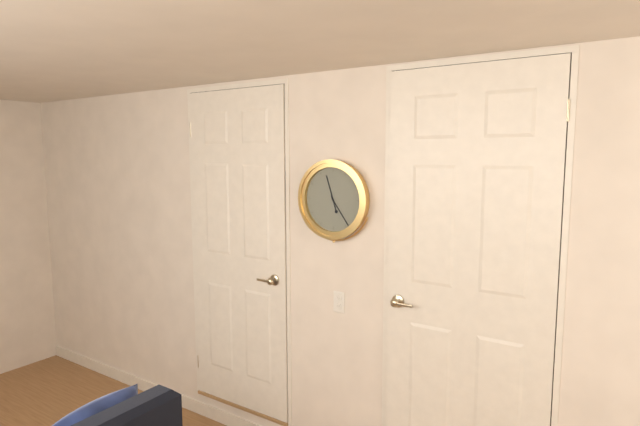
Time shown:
{"hour": 11, "minute": 24}
